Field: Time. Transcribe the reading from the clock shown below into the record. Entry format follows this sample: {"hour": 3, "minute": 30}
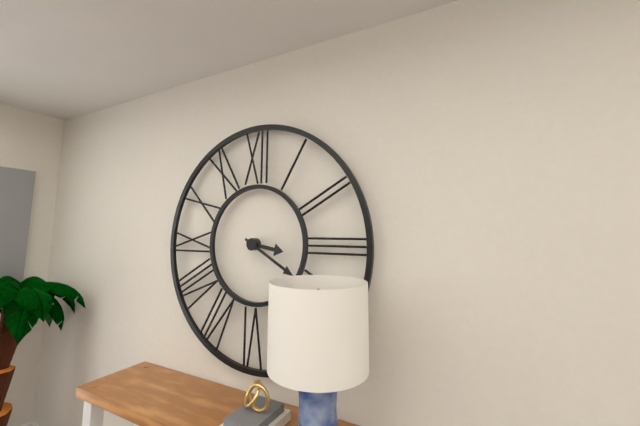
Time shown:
{"hour": 3, "minute": 20}
